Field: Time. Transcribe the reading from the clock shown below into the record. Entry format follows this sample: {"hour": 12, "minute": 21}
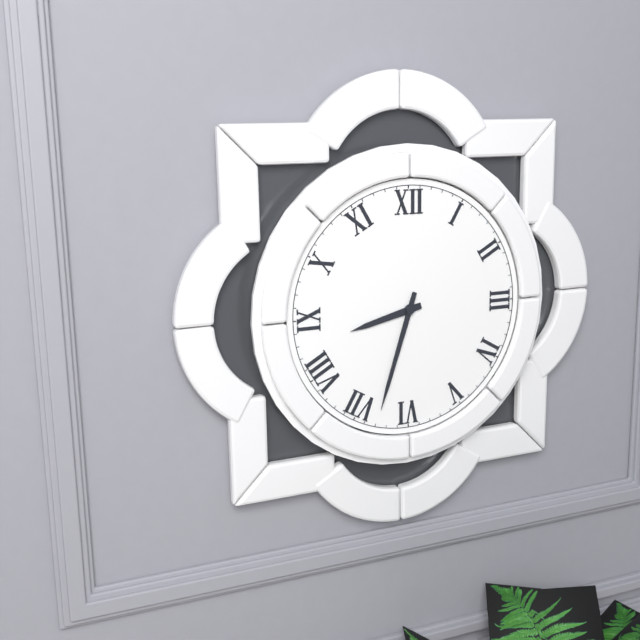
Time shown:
{"hour": 8, "minute": 33}
